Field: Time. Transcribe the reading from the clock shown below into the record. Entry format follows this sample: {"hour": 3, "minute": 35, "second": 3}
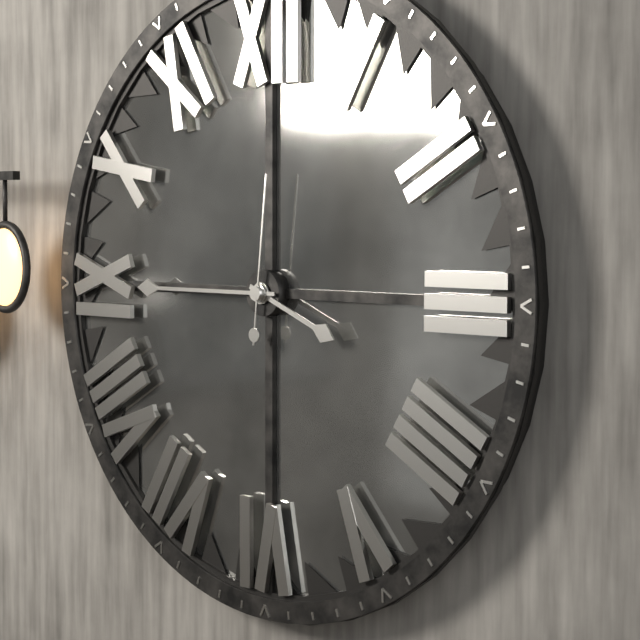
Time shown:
{"hour": 3, "minute": 45, "second": 1}
